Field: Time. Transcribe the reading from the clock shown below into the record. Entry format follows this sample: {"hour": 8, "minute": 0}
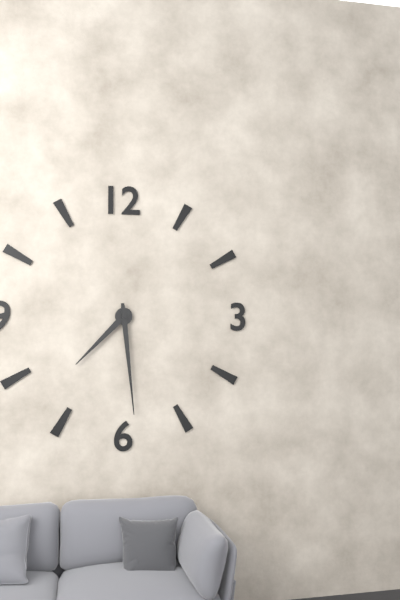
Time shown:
{"hour": 7, "minute": 29}
